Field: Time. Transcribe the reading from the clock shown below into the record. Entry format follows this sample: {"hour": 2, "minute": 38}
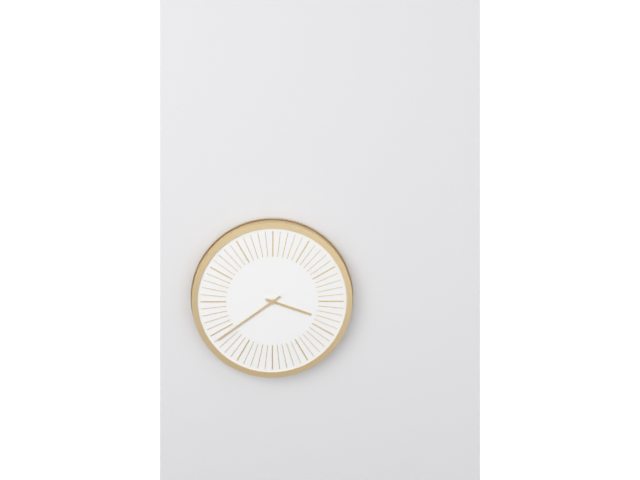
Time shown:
{"hour": 3, "minute": 39}
